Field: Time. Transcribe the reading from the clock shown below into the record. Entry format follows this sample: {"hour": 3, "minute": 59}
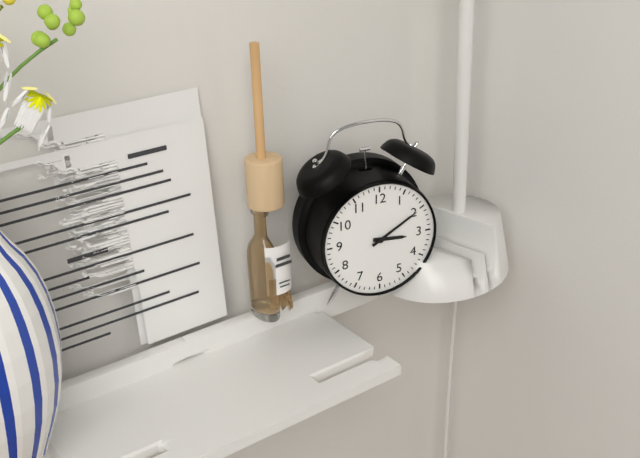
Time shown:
{"hour": 3, "minute": 10}
